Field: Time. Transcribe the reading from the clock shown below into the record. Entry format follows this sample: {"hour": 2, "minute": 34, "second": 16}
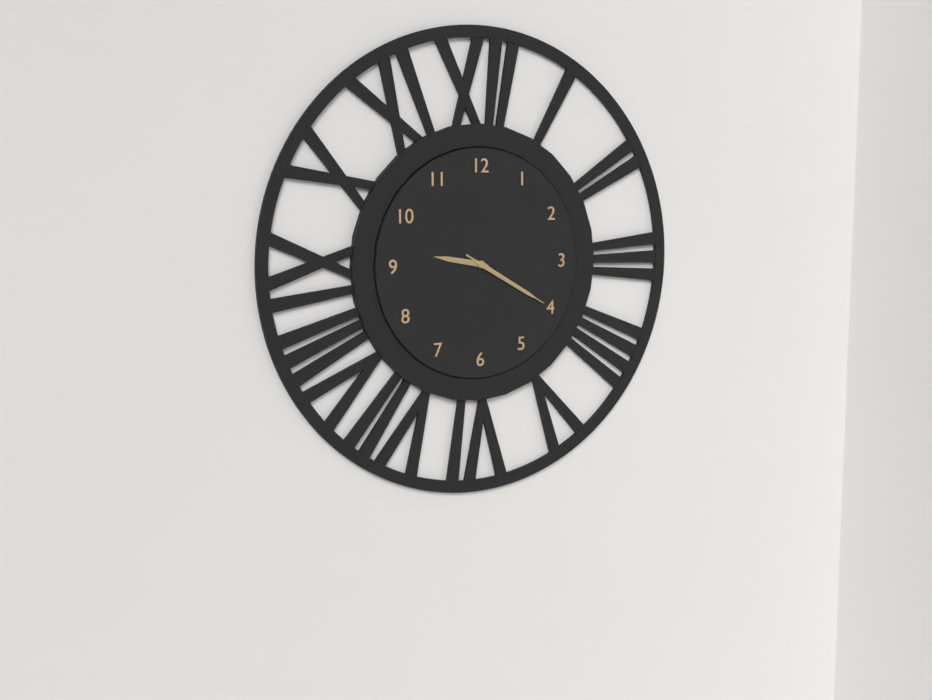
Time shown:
{"hour": 9, "minute": 20, "second": 20}
